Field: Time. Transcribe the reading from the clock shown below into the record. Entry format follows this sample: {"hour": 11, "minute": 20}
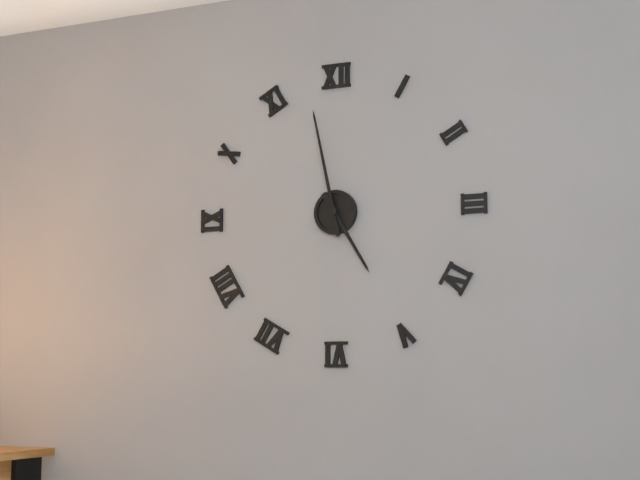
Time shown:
{"hour": 4, "minute": 58}
